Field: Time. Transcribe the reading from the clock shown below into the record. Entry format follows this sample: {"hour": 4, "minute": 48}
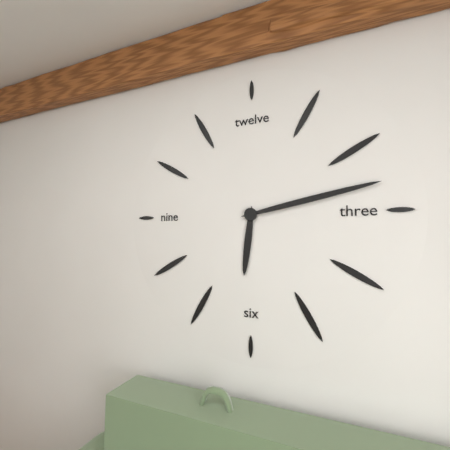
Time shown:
{"hour": 6, "minute": 13}
